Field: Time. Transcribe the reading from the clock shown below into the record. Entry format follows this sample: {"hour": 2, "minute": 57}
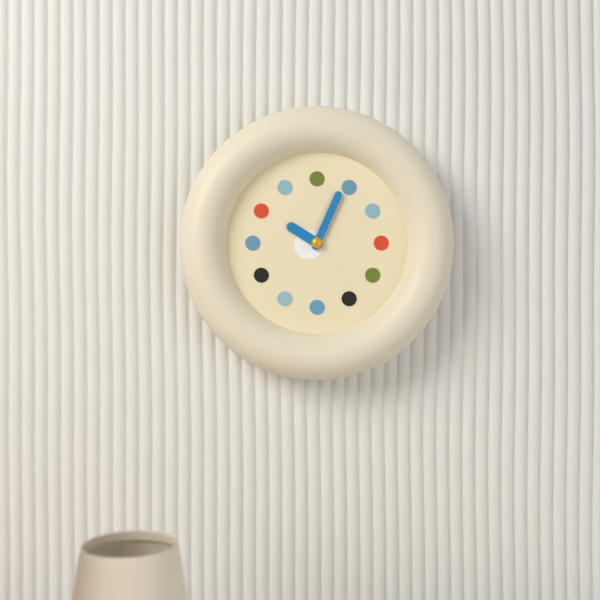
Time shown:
{"hour": 10, "minute": 4}
